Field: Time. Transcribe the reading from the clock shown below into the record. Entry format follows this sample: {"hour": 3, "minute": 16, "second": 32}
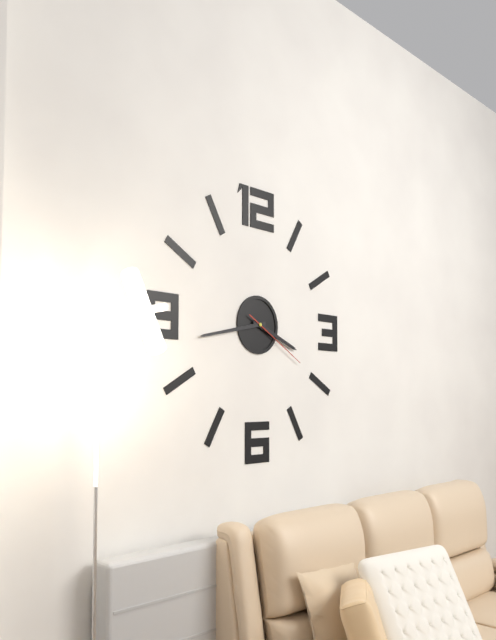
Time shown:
{"hour": 3, "minute": 43, "second": 20}
